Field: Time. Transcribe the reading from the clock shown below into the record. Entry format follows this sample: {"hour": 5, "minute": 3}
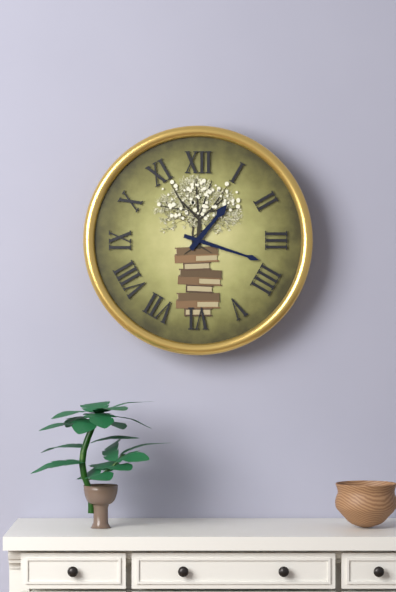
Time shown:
{"hour": 1, "minute": 18}
